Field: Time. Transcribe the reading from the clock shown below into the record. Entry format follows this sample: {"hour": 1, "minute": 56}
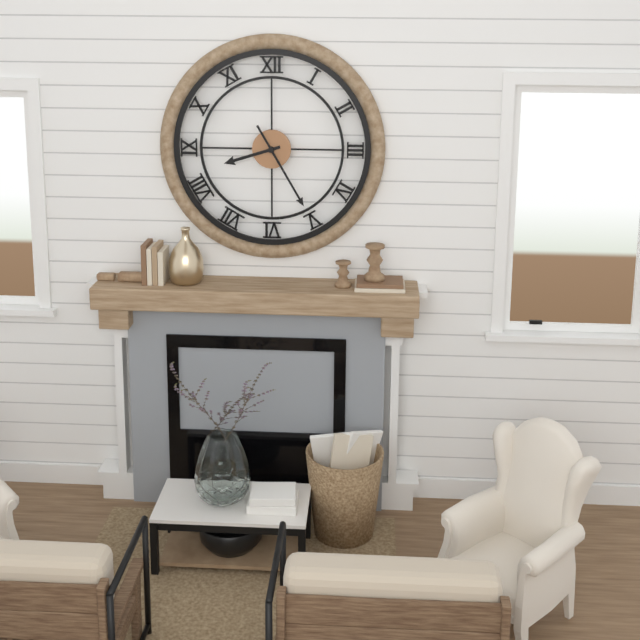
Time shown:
{"hour": 8, "minute": 25}
